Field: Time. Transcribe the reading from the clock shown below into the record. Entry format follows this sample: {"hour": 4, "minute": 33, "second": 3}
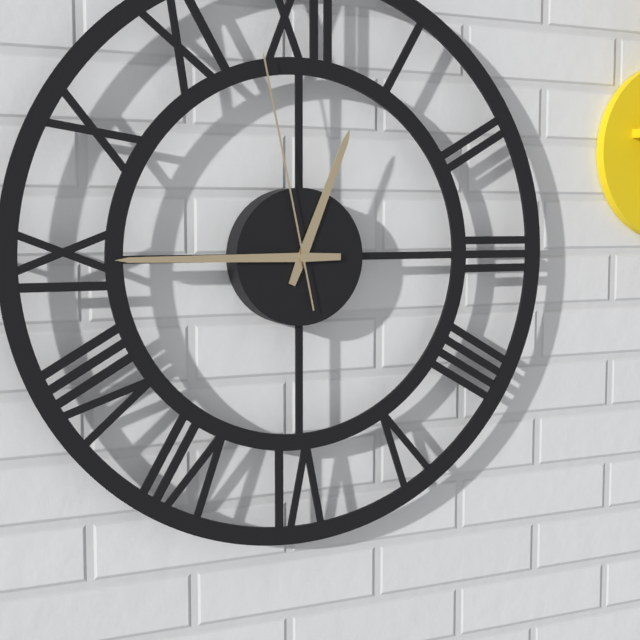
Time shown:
{"hour": 12, "minute": 45, "second": 58}
